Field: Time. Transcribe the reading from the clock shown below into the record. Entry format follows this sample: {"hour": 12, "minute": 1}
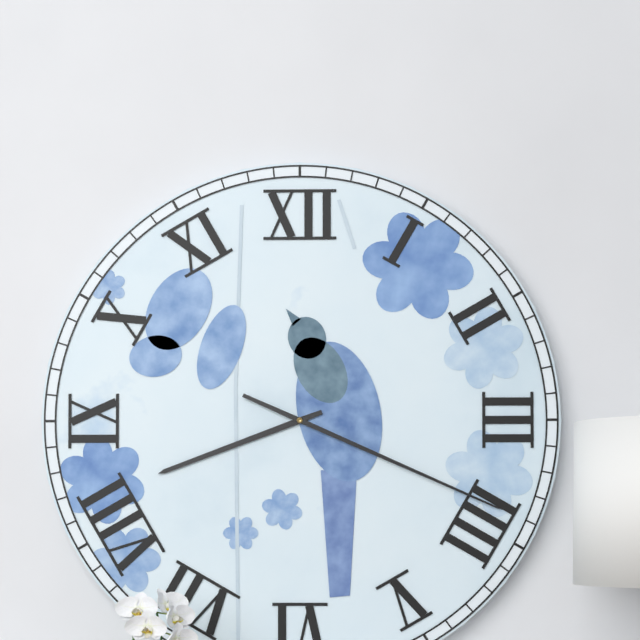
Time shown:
{"hour": 8, "minute": 19}
